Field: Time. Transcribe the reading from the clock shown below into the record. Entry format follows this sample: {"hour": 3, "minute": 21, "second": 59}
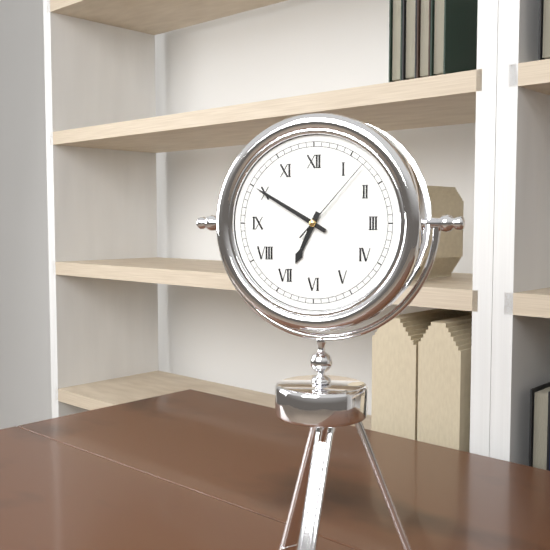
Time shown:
{"hour": 6, "minute": 50, "second": 7}
